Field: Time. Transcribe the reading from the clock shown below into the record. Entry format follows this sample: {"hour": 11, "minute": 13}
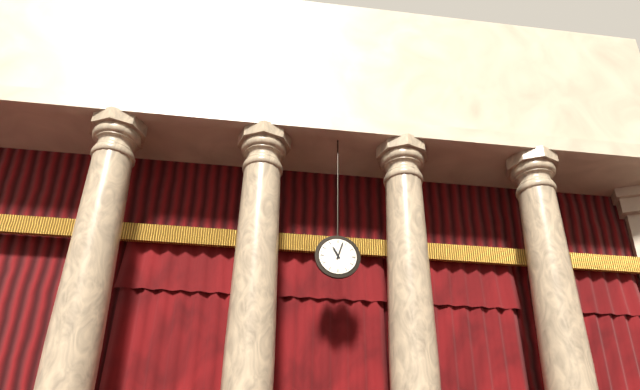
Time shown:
{"hour": 11, "minute": 3}
